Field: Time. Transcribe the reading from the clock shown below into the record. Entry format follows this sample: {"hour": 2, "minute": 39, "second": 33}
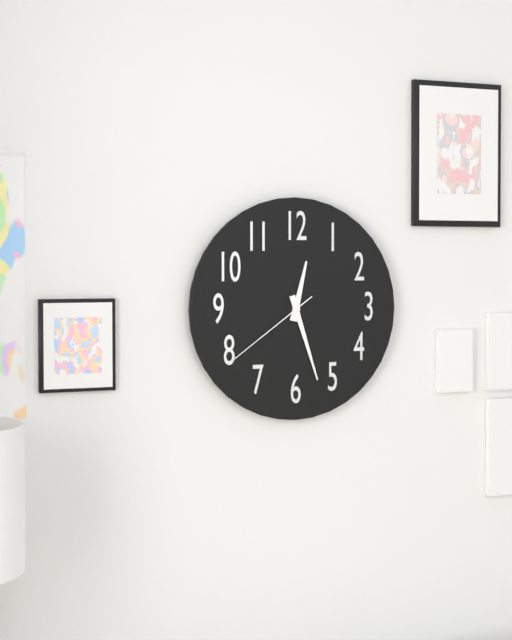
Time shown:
{"hour": 12, "minute": 27, "second": 39}
